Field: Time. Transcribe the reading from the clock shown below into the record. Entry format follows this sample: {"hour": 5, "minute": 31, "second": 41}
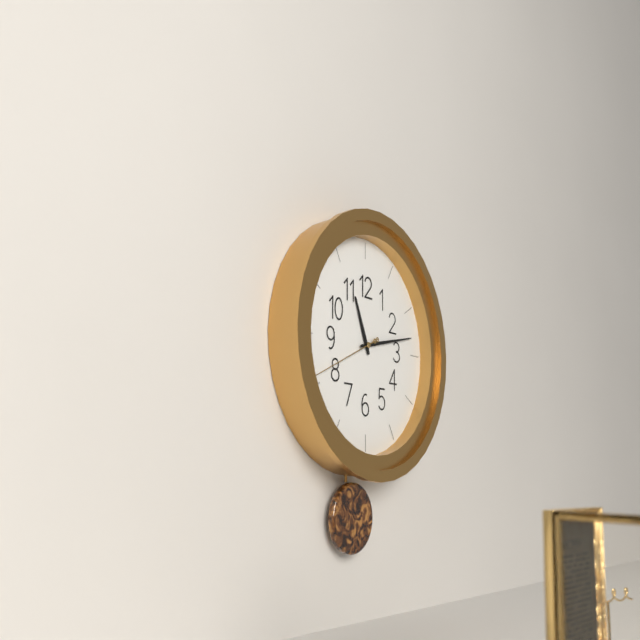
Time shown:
{"hour": 11, "minute": 13, "second": 41}
